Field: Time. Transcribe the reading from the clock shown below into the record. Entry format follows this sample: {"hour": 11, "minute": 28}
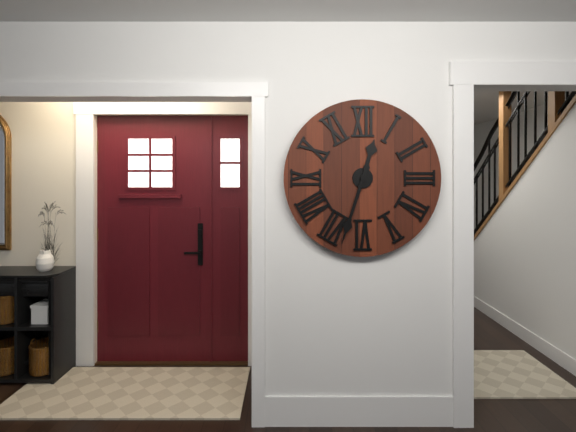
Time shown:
{"hour": 12, "minute": 33}
